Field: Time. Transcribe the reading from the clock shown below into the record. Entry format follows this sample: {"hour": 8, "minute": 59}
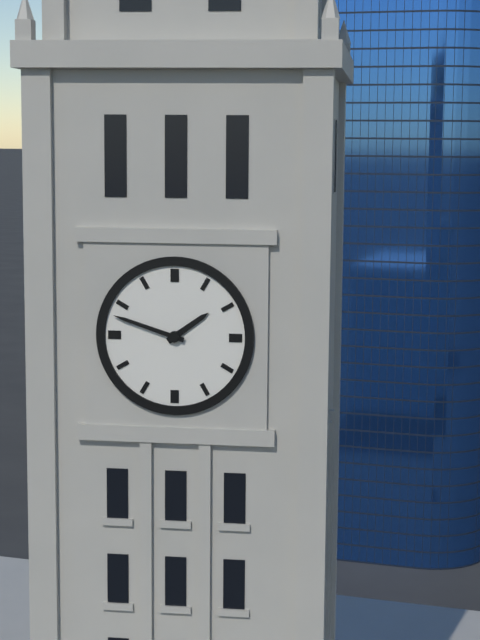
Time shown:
{"hour": 1, "minute": 48}
